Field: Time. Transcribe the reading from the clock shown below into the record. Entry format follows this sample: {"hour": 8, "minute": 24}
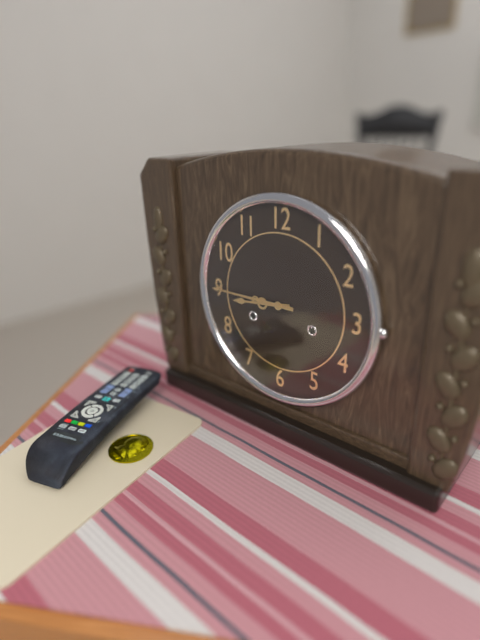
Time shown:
{"hour": 8, "minute": 45}
